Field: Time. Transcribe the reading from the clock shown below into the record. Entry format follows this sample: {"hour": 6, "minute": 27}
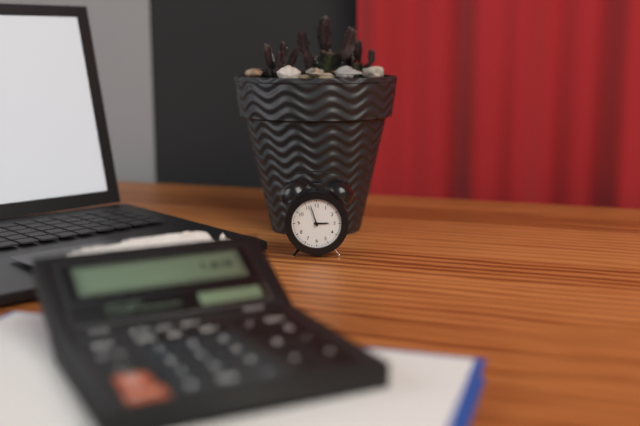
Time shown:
{"hour": 2, "minute": 57}
